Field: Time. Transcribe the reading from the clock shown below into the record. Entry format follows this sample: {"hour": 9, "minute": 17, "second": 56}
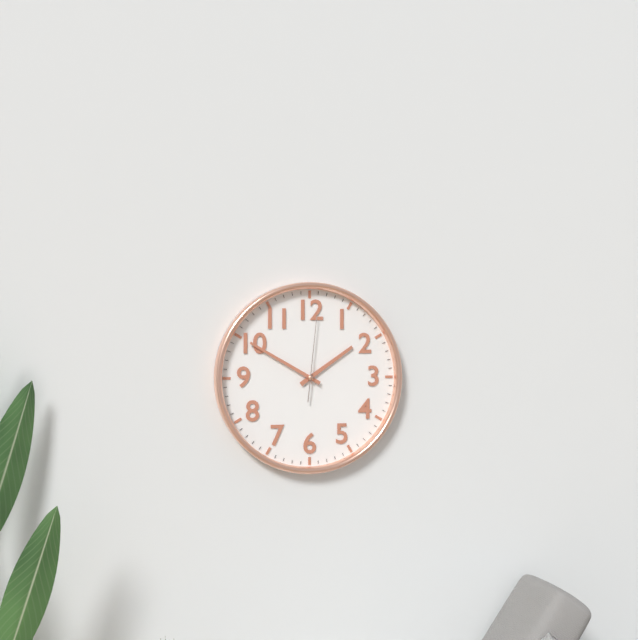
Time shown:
{"hour": 1, "minute": 50, "second": 1}
